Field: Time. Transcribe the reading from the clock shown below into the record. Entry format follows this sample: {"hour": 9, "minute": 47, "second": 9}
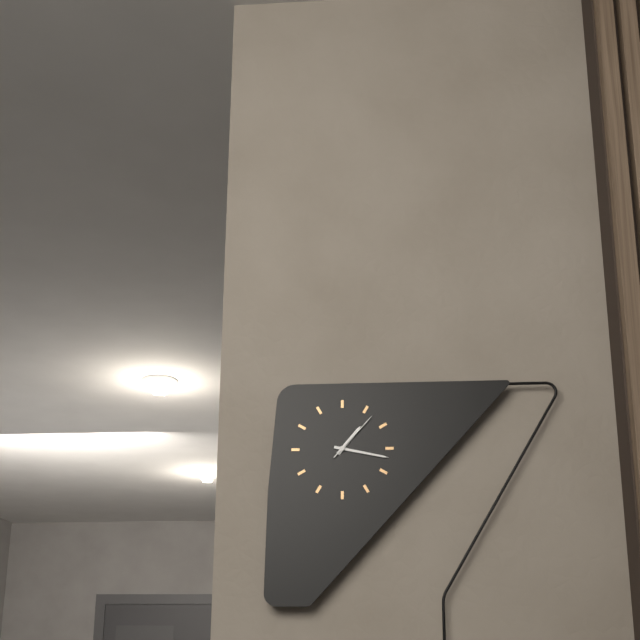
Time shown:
{"hour": 1, "minute": 17, "second": 7}
